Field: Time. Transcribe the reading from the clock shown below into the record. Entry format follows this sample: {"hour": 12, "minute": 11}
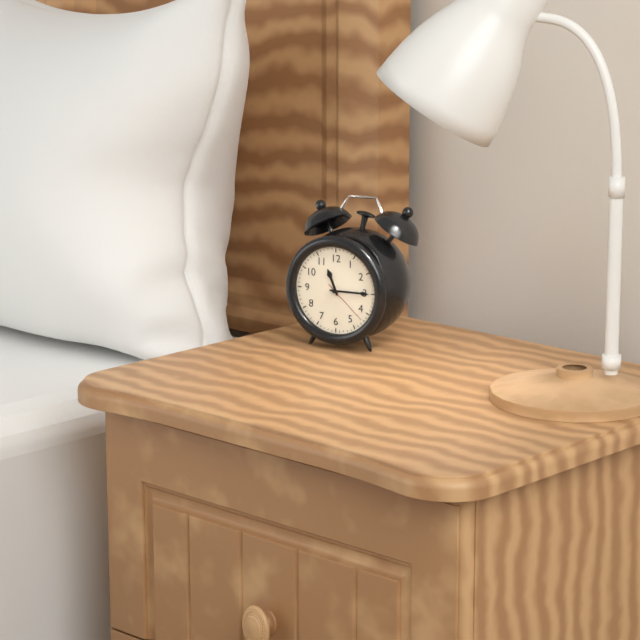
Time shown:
{"hour": 11, "minute": 15}
